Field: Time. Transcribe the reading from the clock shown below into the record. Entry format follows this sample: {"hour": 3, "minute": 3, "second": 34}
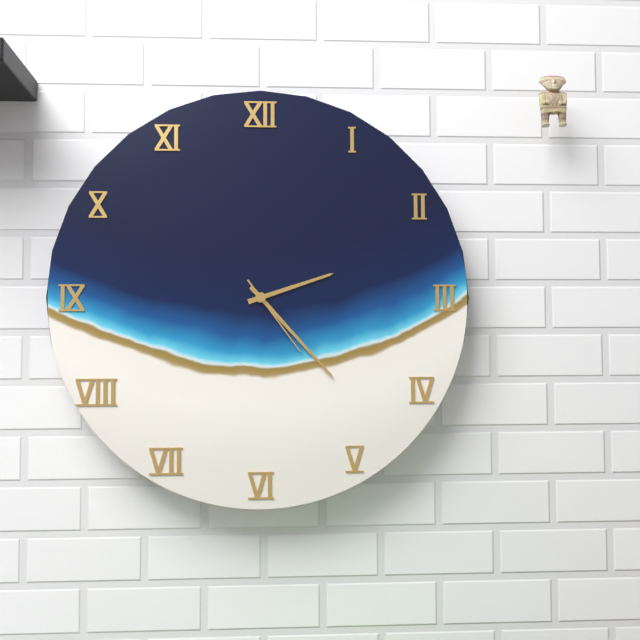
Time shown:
{"hour": 2, "minute": 23, "second": 24}
